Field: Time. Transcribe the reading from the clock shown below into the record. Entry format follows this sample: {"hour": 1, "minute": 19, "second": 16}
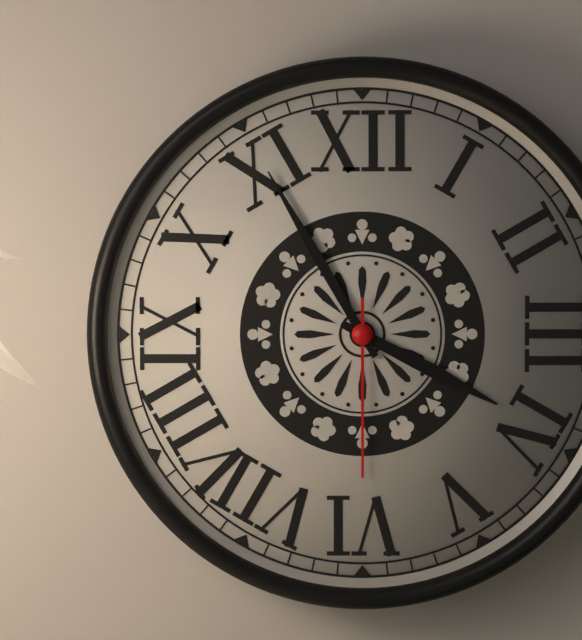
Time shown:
{"hour": 3, "minute": 55, "second": 30}
